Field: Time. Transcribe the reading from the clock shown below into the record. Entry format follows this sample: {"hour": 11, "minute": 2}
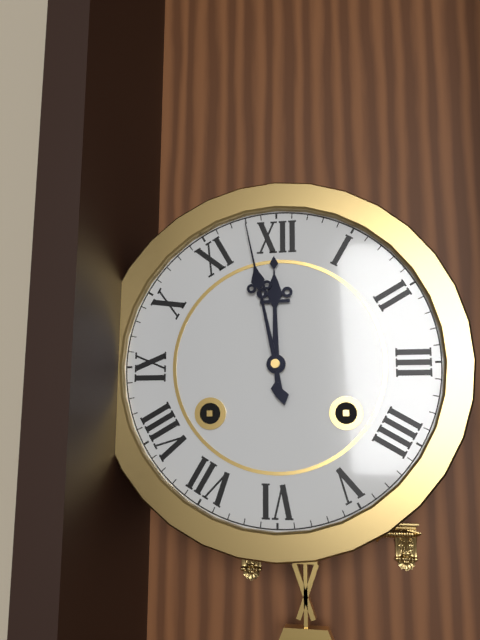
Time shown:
{"hour": 11, "minute": 58}
